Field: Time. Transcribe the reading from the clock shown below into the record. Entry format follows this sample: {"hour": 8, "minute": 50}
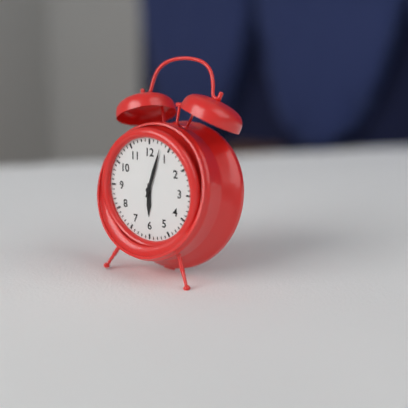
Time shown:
{"hour": 6, "minute": 3}
